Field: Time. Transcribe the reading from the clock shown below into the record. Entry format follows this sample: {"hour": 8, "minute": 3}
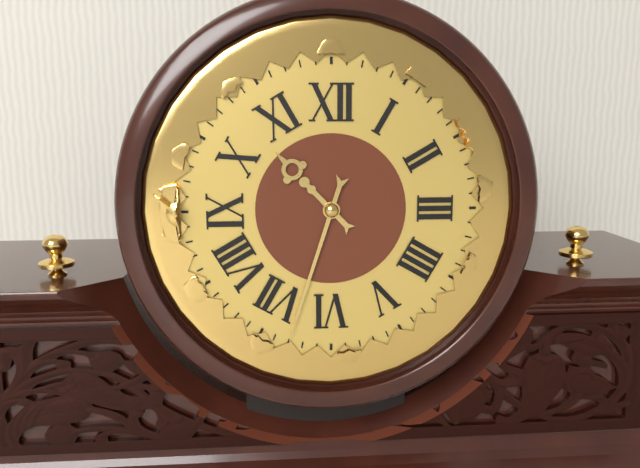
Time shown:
{"hour": 10, "minute": 33}
